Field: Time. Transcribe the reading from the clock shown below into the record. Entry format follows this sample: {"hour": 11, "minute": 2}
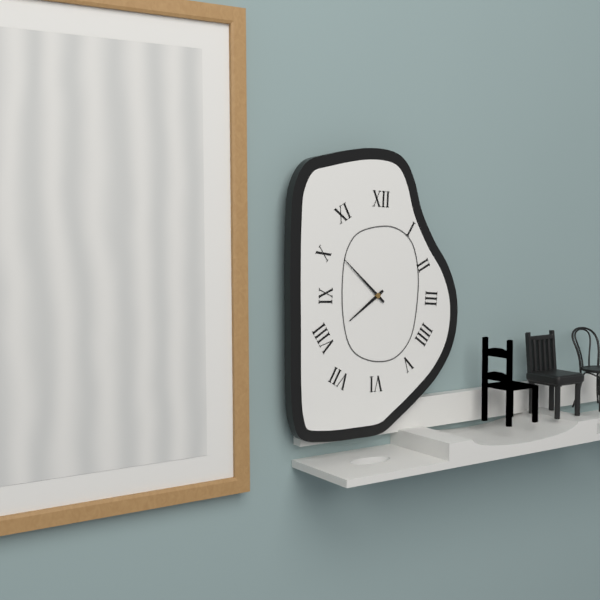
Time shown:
{"hour": 7, "minute": 52}
